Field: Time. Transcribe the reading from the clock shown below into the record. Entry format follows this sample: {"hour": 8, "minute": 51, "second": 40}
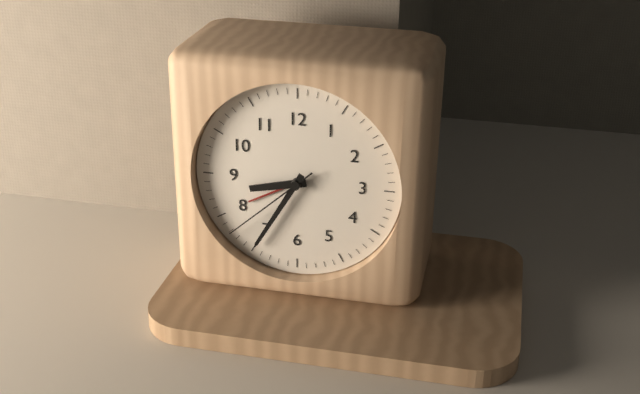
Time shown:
{"hour": 8, "minute": 35, "second": 38}
